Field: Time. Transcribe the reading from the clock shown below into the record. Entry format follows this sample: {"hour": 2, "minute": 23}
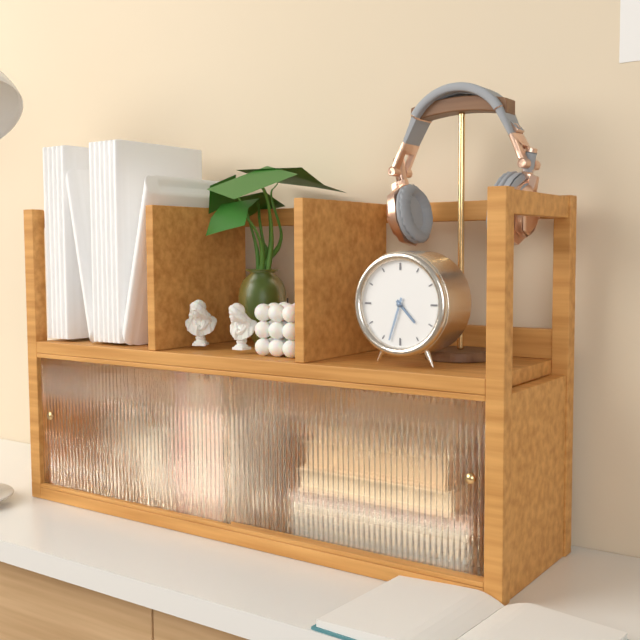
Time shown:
{"hour": 4, "minute": 33}
